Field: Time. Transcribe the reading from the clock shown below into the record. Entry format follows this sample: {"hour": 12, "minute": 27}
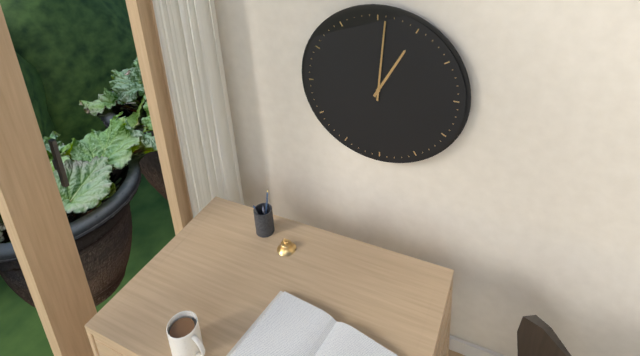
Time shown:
{"hour": 1, "minute": 1}
